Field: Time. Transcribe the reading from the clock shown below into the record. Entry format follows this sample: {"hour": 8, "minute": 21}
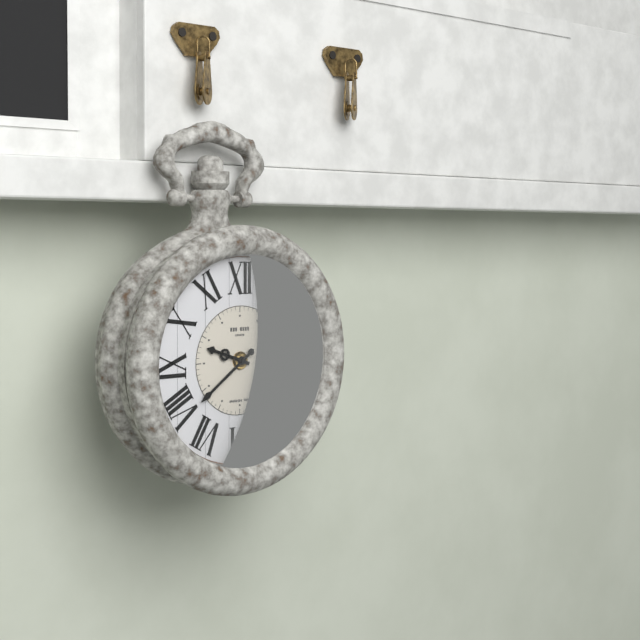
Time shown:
{"hour": 9, "minute": 39}
